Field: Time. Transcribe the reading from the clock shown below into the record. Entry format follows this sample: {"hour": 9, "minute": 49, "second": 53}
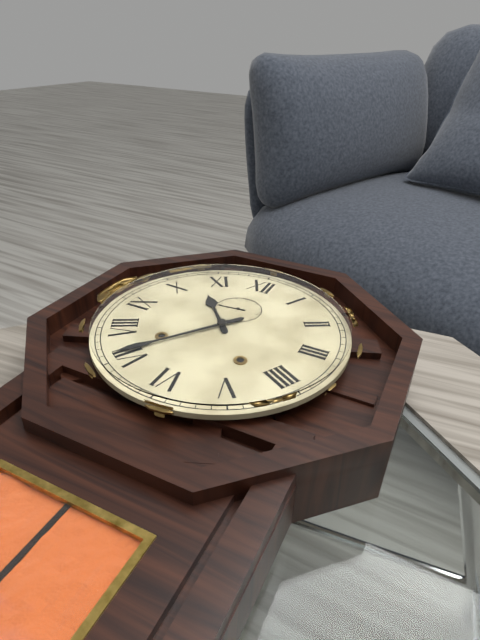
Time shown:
{"hour": 10, "minute": 36, "second": 44}
